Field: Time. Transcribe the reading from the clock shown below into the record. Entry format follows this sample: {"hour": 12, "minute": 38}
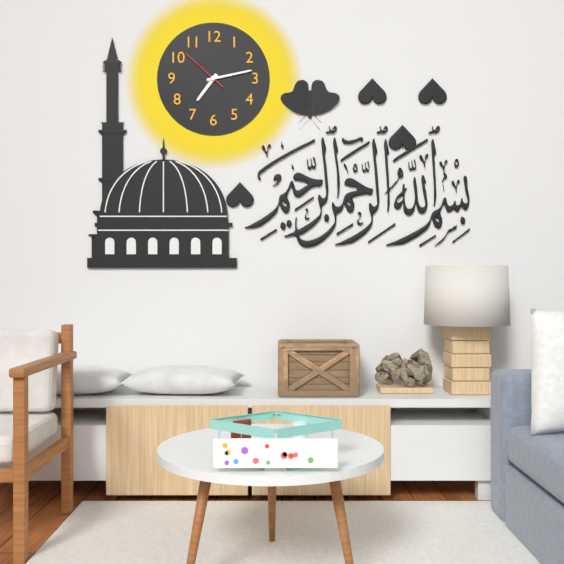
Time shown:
{"hour": 7, "minute": 13}
